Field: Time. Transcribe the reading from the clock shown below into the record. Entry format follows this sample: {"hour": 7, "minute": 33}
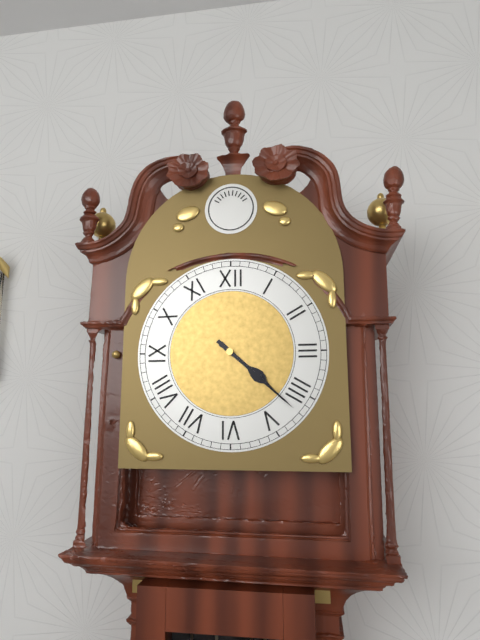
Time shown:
{"hour": 4, "minute": 22}
